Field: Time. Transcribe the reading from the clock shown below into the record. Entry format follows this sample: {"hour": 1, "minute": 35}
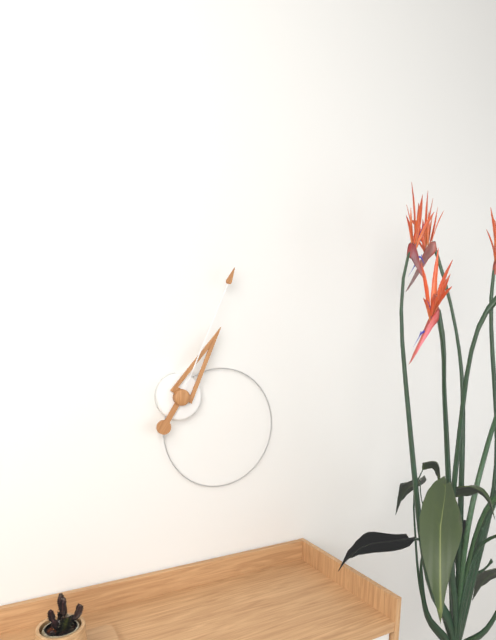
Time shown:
{"hour": 1, "minute": 4}
